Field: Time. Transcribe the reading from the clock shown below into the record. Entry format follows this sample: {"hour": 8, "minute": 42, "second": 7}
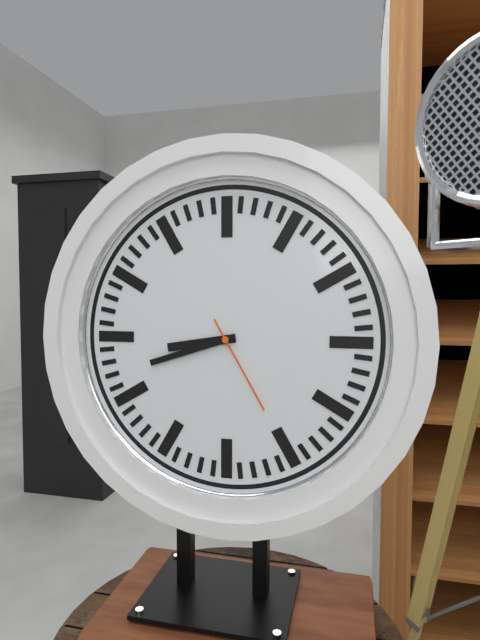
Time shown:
{"hour": 8, "minute": 42, "second": 25}
